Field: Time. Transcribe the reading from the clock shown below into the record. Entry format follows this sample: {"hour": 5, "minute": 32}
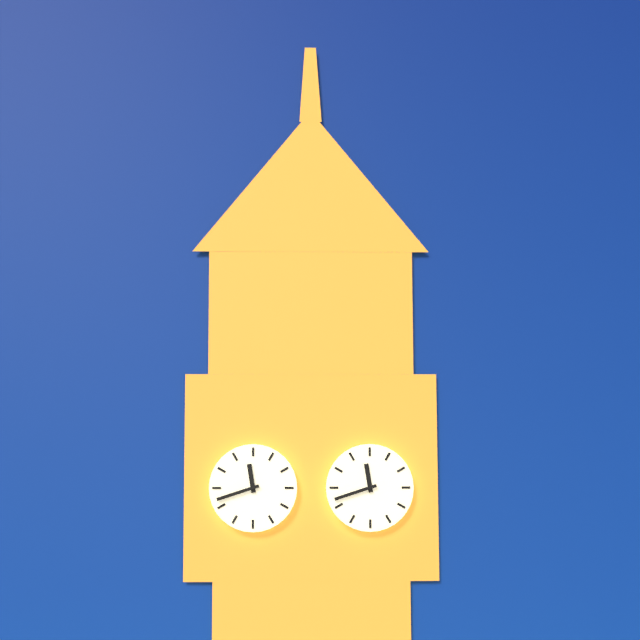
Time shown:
{"hour": 11, "minute": 42}
